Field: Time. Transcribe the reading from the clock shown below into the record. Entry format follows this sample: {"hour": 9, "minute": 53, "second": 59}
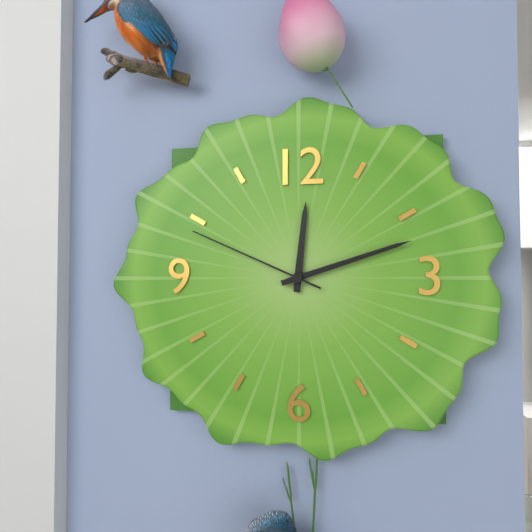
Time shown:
{"hour": 12, "minute": 12, "second": 49}
